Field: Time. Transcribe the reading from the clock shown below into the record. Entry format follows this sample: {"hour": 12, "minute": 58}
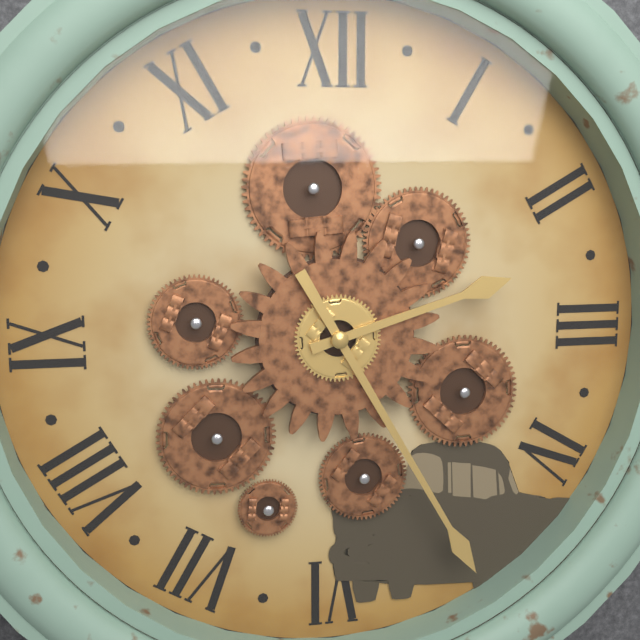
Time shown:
{"hour": 2, "minute": 25}
